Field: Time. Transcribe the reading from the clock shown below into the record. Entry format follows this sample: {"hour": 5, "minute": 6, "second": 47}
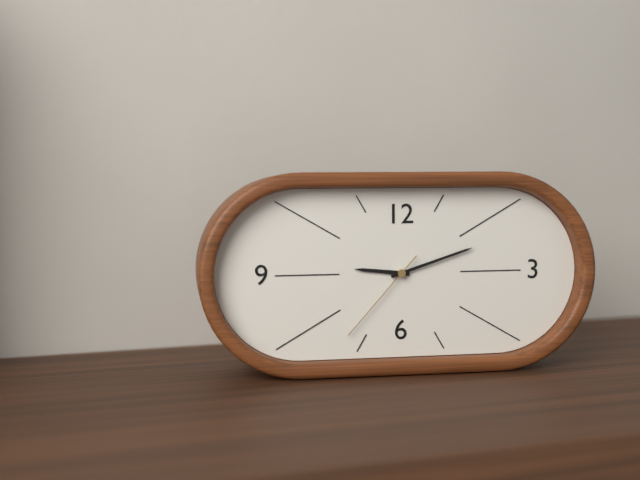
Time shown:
{"hour": 9, "minute": 12, "second": 37}
